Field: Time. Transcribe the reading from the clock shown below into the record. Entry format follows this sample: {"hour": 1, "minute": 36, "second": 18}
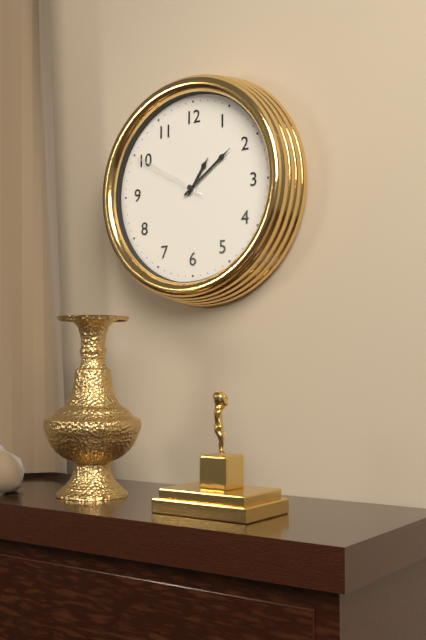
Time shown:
{"hour": 1, "minute": 9, "second": 50}
